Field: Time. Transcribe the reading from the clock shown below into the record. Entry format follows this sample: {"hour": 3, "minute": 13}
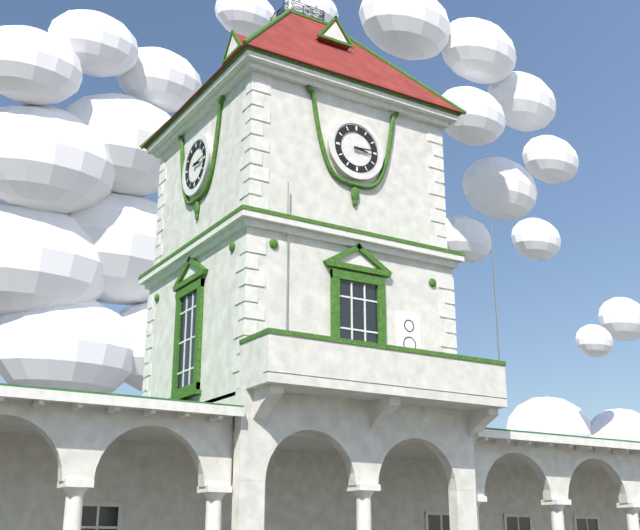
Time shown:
{"hour": 3, "minute": 14}
